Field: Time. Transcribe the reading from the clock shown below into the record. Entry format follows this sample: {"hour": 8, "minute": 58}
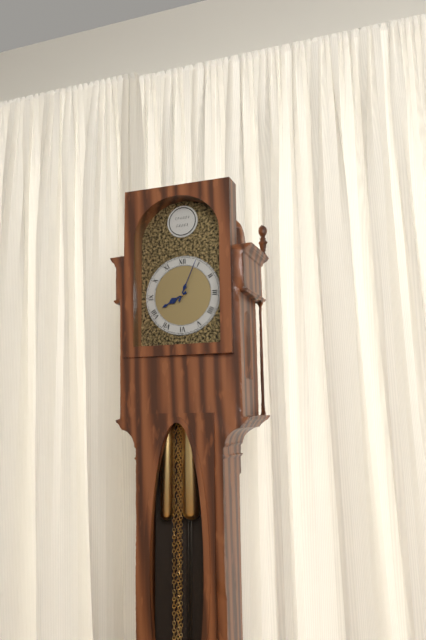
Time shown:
{"hour": 8, "minute": 4}
